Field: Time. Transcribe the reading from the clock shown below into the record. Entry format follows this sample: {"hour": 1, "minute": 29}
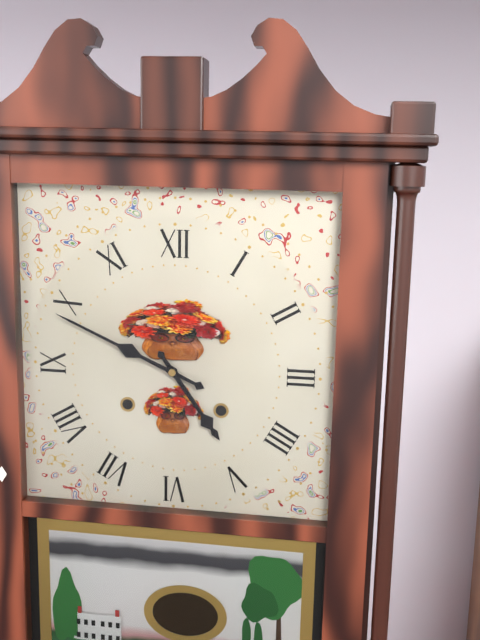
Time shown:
{"hour": 4, "minute": 49}
